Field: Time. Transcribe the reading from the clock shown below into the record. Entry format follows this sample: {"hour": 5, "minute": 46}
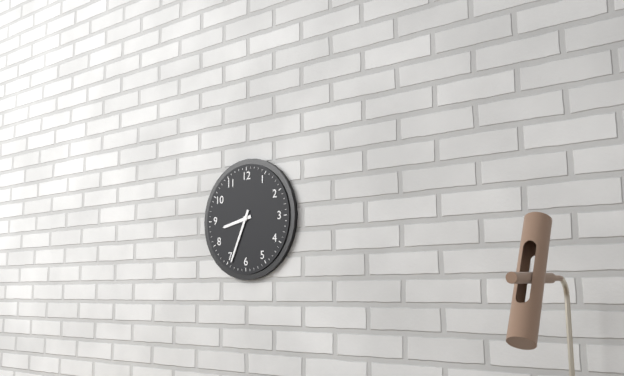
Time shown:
{"hour": 8, "minute": 34}
